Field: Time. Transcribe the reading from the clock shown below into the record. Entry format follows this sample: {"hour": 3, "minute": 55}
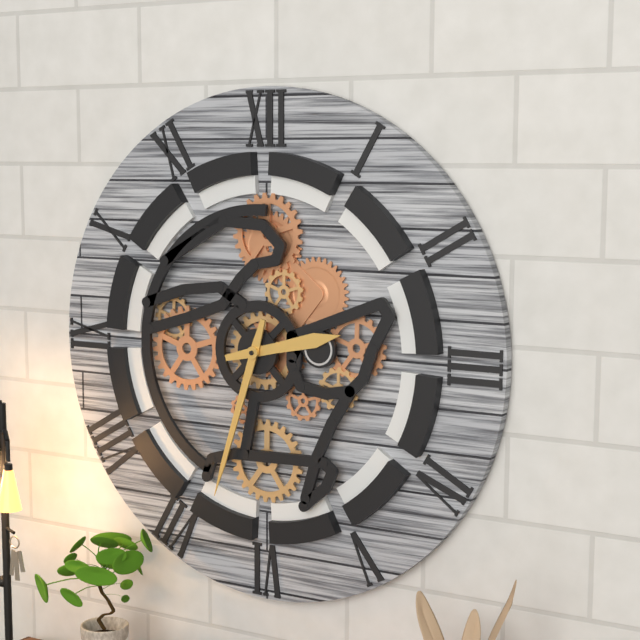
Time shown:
{"hour": 2, "minute": 33}
